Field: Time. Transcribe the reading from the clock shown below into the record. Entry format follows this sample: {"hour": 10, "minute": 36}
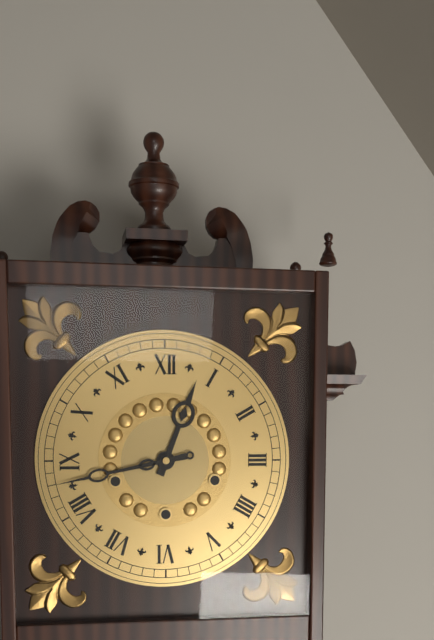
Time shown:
{"hour": 12, "minute": 43}
